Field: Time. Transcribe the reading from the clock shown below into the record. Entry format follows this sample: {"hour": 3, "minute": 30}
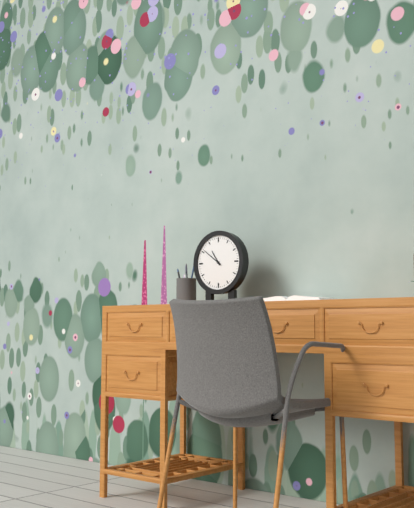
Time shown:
{"hour": 10, "minute": 51}
